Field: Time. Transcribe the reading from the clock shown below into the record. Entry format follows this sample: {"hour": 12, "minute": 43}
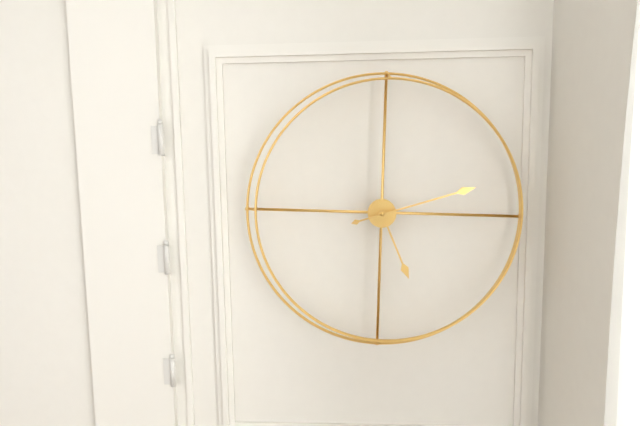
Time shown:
{"hour": 5, "minute": 12}
